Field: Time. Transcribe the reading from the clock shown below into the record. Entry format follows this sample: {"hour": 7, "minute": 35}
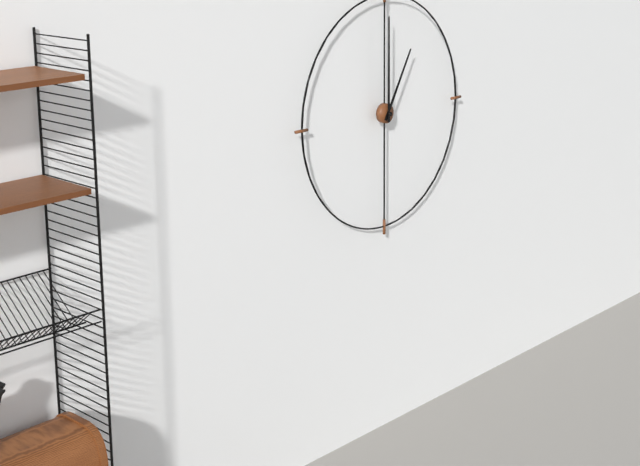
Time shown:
{"hour": 1, "minute": 0}
